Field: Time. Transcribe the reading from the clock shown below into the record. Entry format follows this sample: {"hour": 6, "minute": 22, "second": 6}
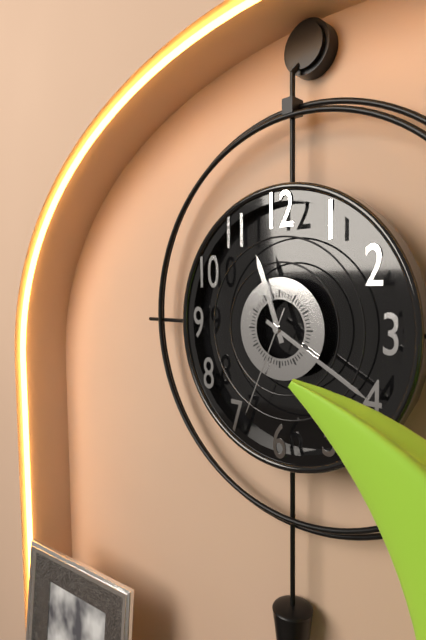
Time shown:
{"hour": 11, "minute": 20, "second": 34}
